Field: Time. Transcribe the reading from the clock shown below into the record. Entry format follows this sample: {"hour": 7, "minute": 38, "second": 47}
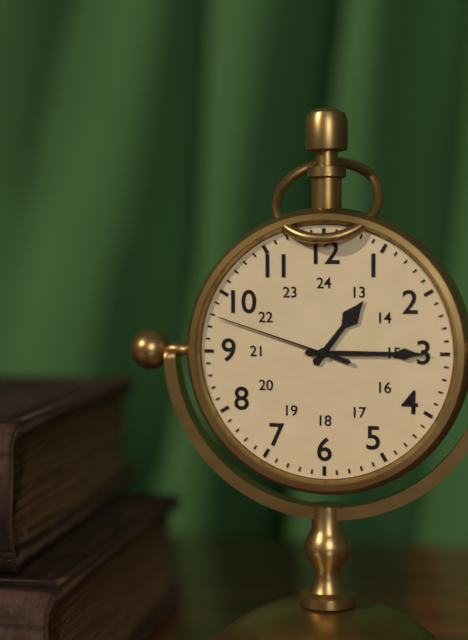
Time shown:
{"hour": 1, "minute": 15, "second": 48}
